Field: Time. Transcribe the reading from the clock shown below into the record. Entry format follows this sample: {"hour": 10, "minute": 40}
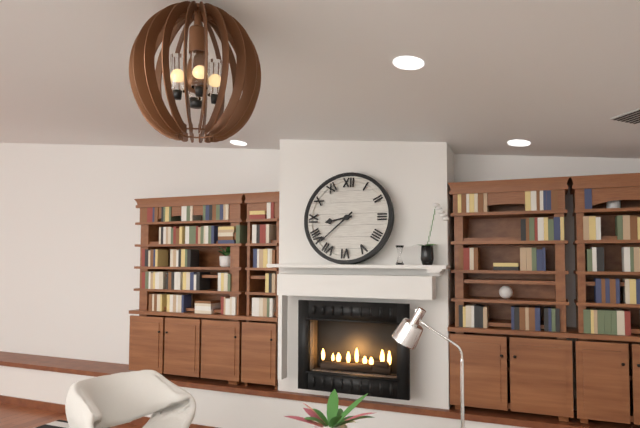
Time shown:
{"hour": 8, "minute": 38}
